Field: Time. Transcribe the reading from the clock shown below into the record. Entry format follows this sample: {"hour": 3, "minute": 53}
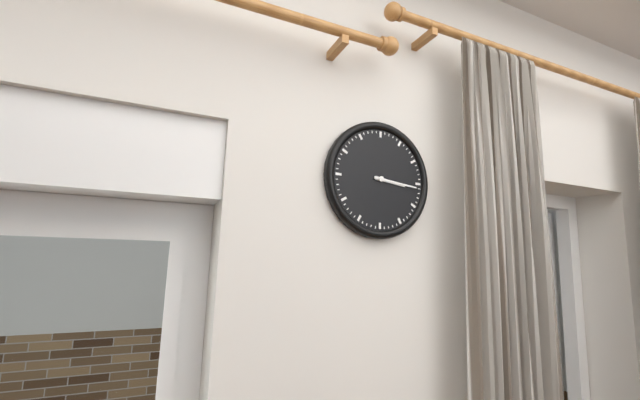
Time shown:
{"hour": 3, "minute": 16}
